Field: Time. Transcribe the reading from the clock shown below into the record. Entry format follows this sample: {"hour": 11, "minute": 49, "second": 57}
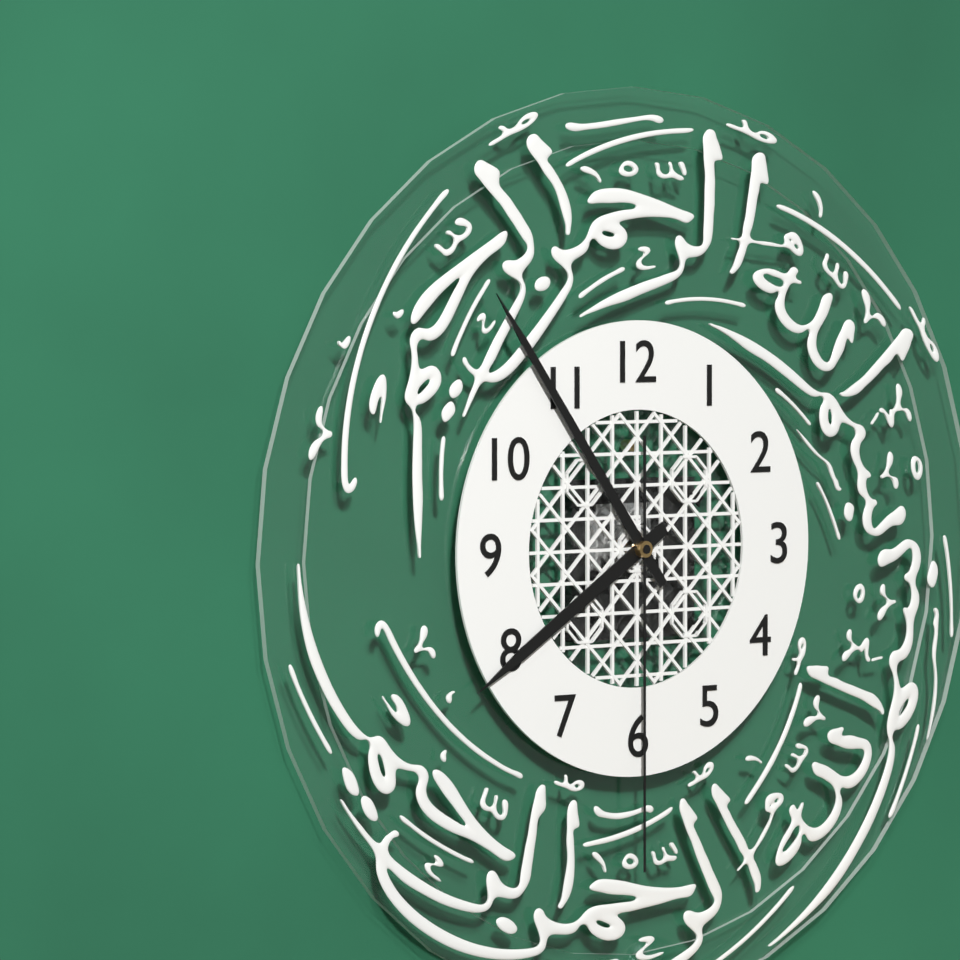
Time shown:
{"hour": 7, "minute": 54, "second": 30}
